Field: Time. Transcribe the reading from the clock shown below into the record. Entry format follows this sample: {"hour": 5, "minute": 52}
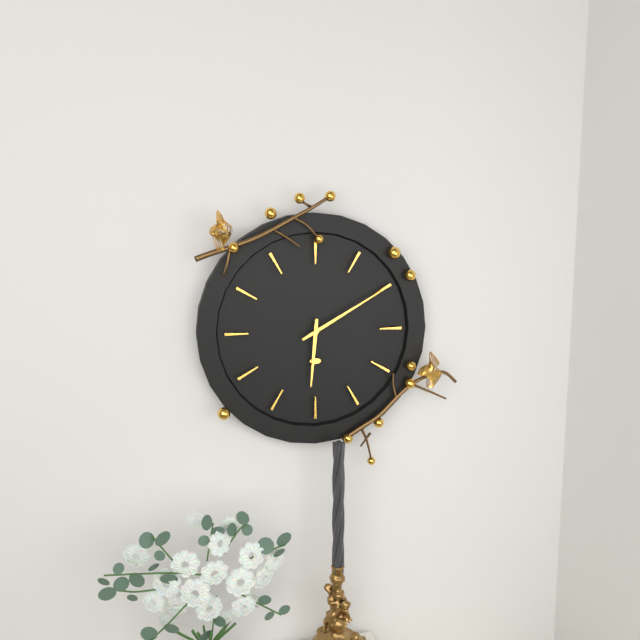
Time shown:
{"hour": 6, "minute": 10}
